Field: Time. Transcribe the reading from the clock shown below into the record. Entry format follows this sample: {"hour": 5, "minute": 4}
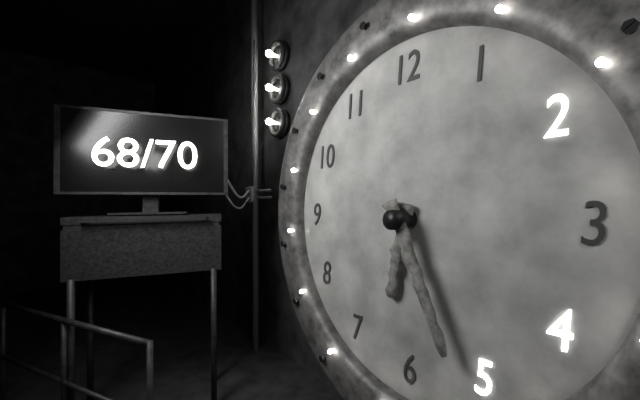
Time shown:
{"hour": 6, "minute": 26}
